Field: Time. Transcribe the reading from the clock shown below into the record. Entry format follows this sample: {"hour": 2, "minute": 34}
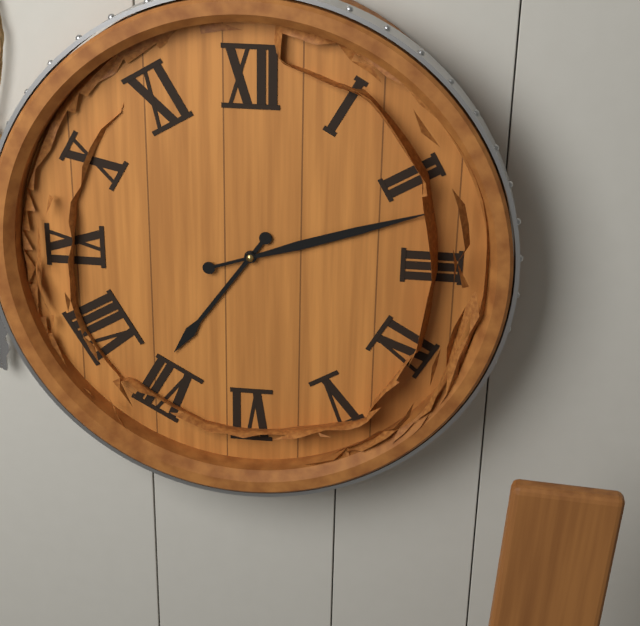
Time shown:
{"hour": 7, "minute": 12}
